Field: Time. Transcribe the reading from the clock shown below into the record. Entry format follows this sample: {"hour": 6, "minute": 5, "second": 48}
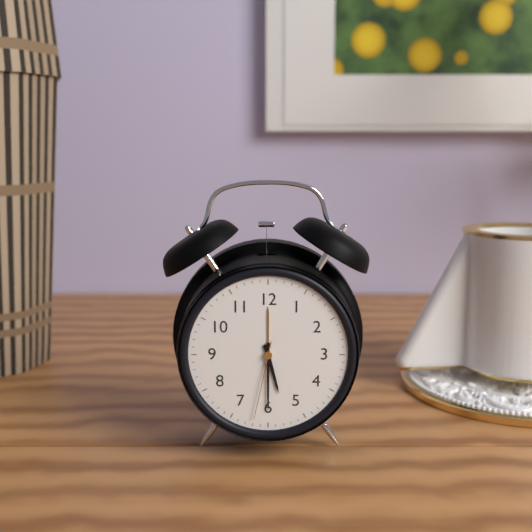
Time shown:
{"hour": 5, "minute": 30, "second": 32}
